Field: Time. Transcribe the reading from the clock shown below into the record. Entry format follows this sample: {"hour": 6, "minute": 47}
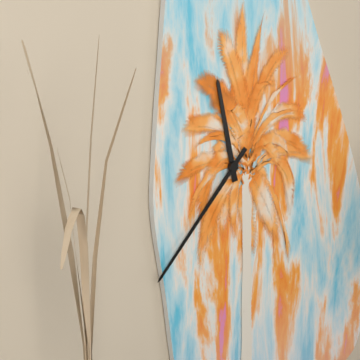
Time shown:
{"hour": 11, "minute": 37}
